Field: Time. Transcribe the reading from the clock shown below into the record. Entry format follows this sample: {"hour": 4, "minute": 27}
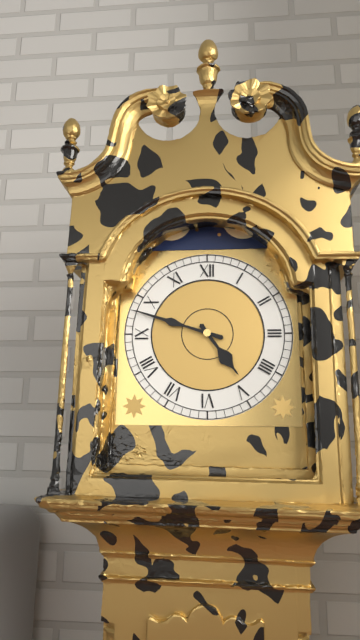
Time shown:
{"hour": 4, "minute": 48}
